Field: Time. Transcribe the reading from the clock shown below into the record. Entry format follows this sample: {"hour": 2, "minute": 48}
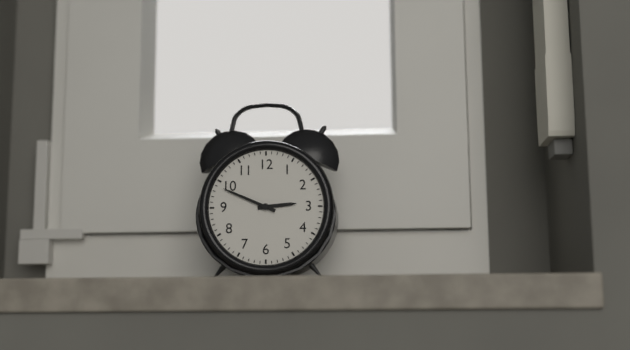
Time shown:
{"hour": 2, "minute": 49}
